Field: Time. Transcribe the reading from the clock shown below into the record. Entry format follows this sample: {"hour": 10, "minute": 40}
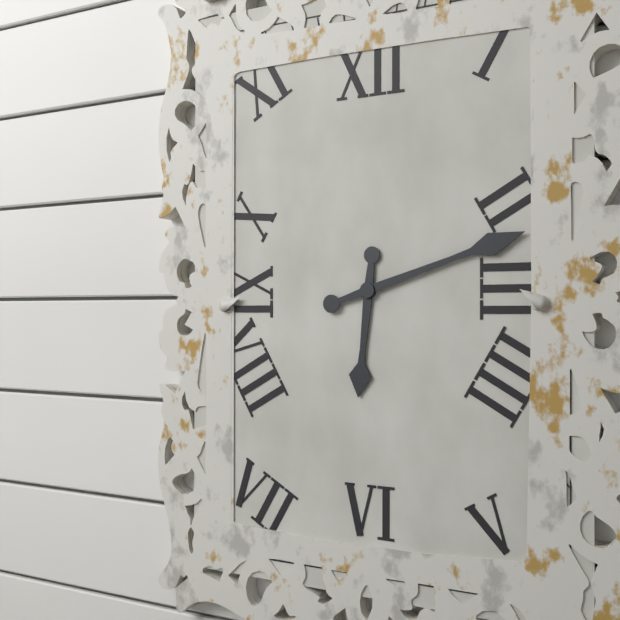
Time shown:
{"hour": 6, "minute": 12}
